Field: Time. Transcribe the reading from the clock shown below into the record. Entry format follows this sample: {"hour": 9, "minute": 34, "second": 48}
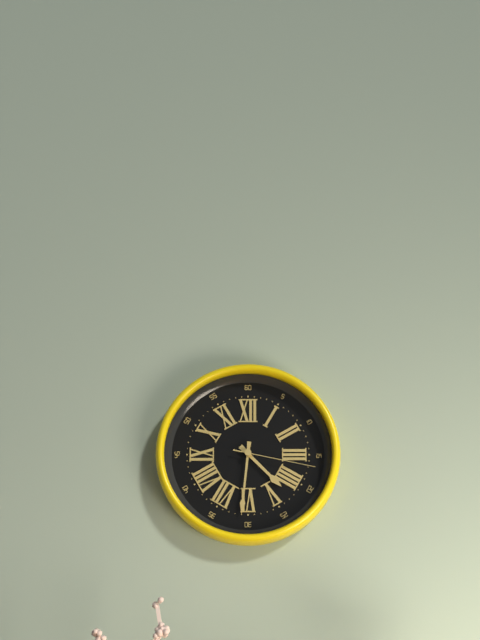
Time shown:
{"hour": 4, "minute": 31, "second": 17}
